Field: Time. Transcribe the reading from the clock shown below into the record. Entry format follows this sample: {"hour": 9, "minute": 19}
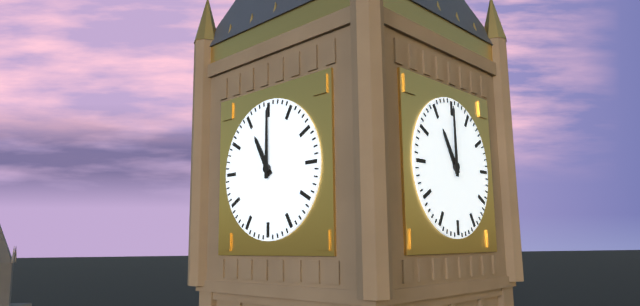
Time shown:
{"hour": 11, "minute": 0}
